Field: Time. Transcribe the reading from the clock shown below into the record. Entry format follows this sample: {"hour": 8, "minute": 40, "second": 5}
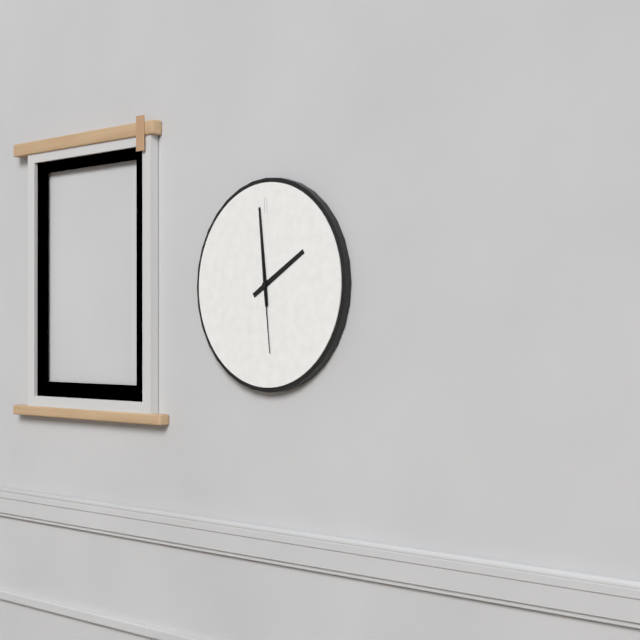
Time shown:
{"hour": 1, "minute": 59, "second": 29}
